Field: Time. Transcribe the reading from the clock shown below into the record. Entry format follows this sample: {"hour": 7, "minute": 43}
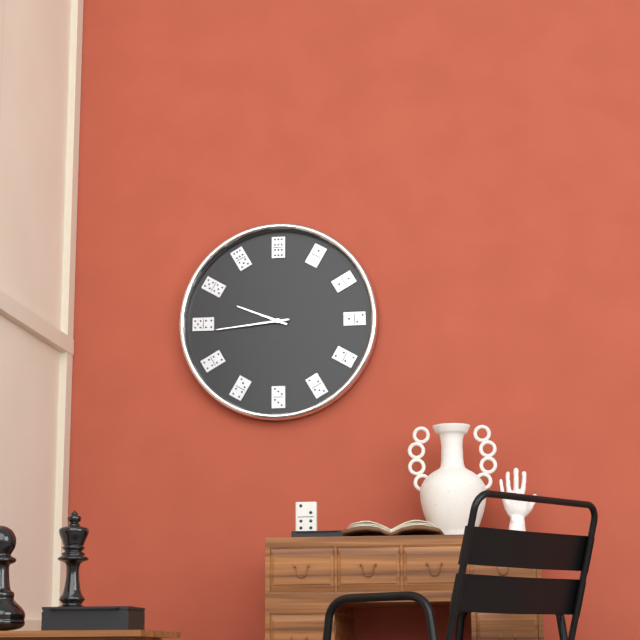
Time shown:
{"hour": 9, "minute": 44}
